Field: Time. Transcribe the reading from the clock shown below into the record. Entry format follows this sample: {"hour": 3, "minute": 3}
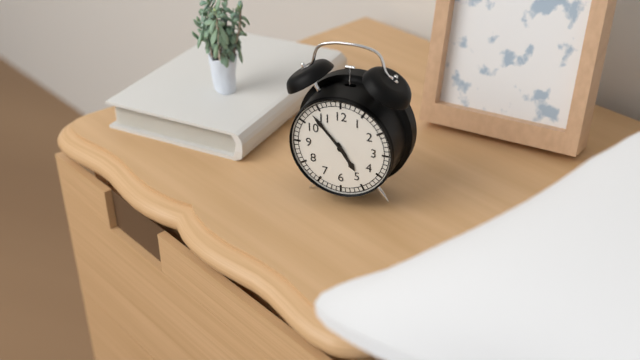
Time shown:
{"hour": 4, "minute": 53}
